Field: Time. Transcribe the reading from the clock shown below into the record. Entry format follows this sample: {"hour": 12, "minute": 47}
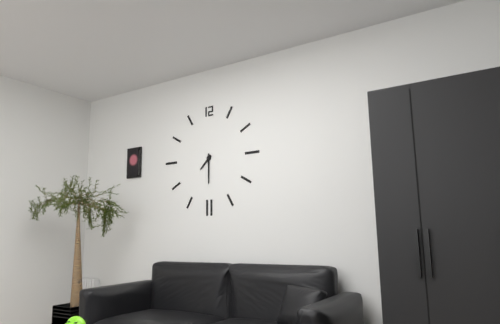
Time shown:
{"hour": 7, "minute": 30}
